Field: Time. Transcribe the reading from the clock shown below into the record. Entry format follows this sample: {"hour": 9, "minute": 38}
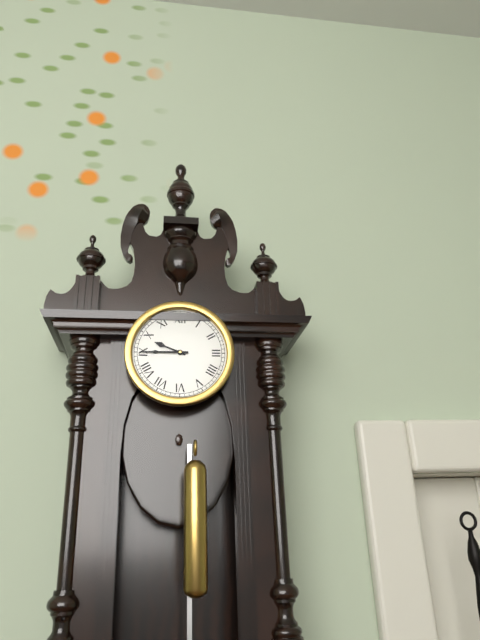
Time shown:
{"hour": 9, "minute": 45}
